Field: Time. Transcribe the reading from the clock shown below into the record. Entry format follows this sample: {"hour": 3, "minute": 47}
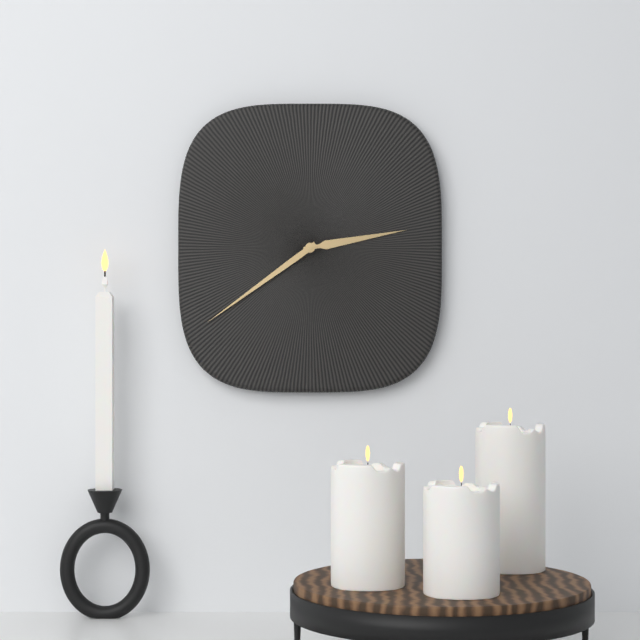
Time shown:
{"hour": 2, "minute": 39}
